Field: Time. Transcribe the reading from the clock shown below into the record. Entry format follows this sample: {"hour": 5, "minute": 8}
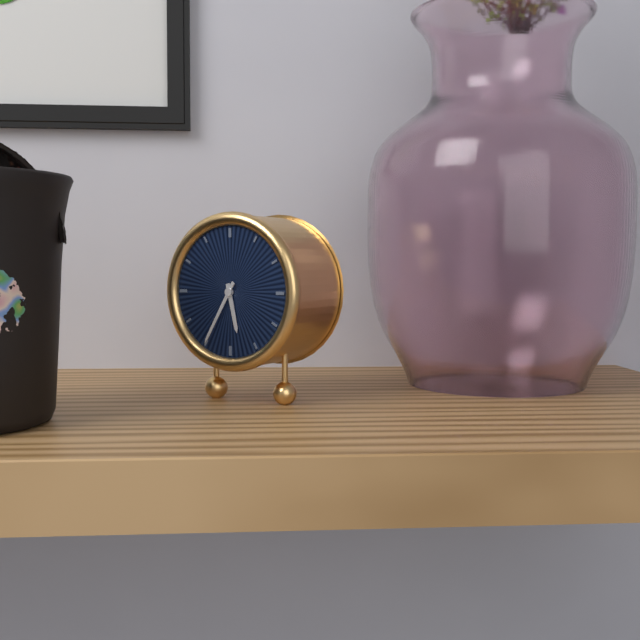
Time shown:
{"hour": 5, "minute": 35}
